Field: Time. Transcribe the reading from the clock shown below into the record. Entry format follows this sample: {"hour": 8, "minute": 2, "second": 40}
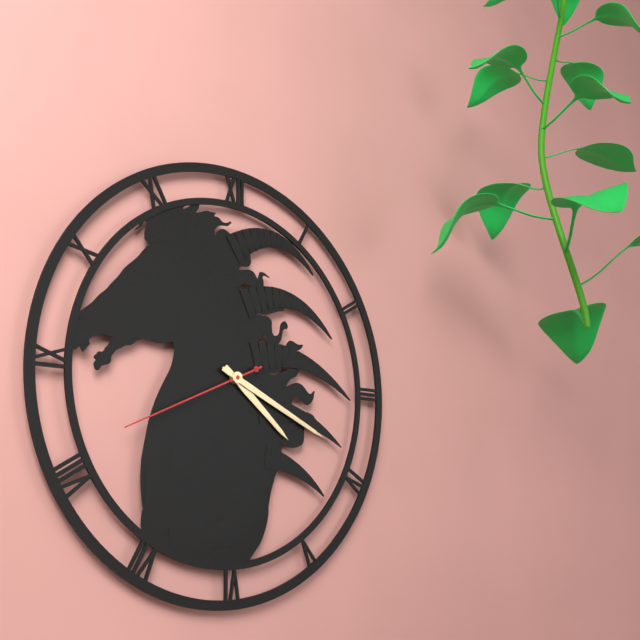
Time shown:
{"hour": 4, "minute": 19, "second": 41}
